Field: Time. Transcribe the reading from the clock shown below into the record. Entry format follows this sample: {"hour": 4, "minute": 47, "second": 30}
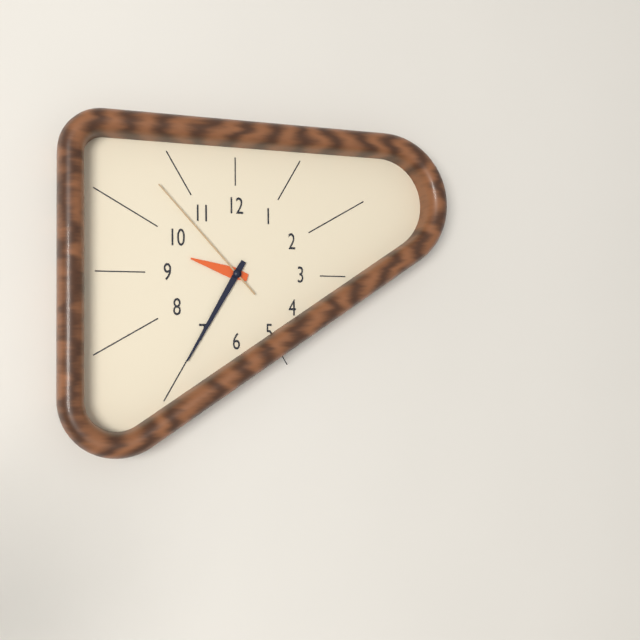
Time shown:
{"hour": 9, "minute": 35, "second": 53}
